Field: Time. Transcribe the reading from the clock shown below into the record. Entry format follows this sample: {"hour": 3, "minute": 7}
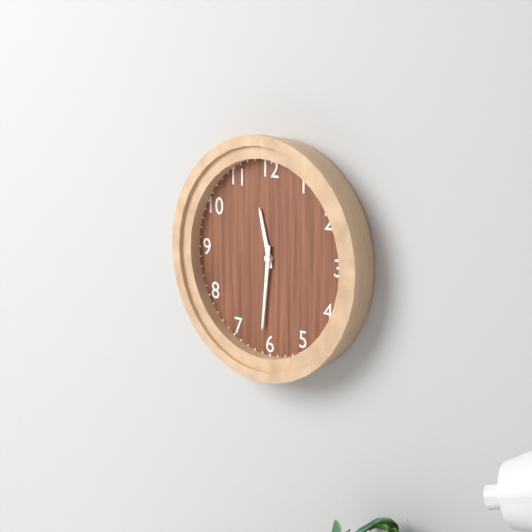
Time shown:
{"hour": 11, "minute": 31}
